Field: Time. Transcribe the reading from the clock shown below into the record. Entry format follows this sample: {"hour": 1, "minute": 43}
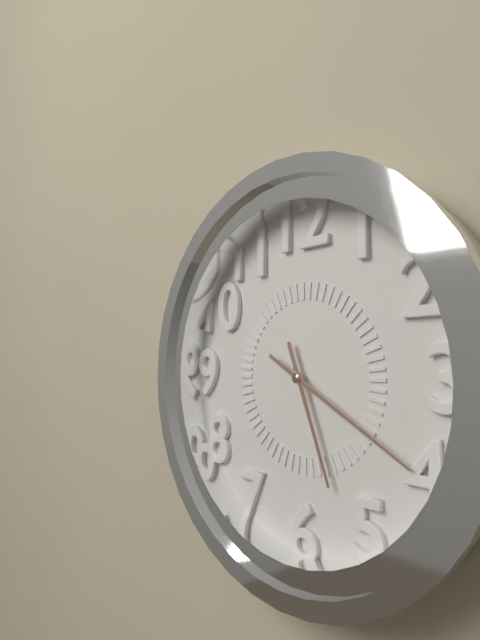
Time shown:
{"hour": 5, "minute": 20}
